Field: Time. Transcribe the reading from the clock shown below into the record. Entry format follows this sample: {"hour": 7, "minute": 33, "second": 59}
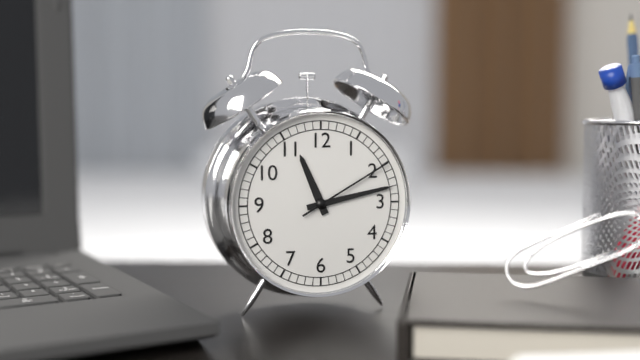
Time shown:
{"hour": 11, "minute": 13, "second": 10}
